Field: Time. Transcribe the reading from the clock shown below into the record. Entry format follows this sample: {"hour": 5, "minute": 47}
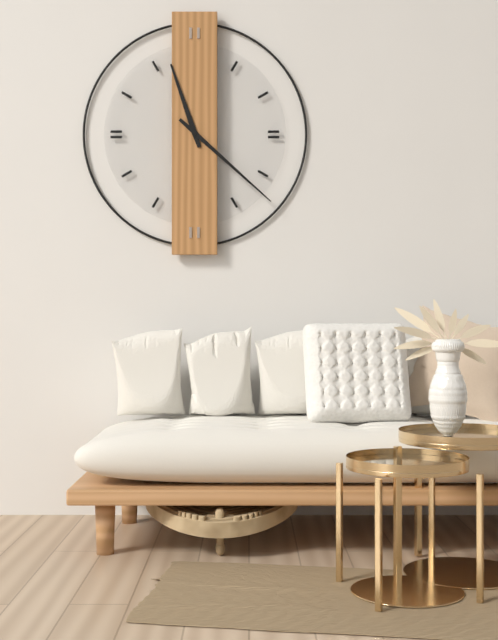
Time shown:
{"hour": 11, "minute": 22}
